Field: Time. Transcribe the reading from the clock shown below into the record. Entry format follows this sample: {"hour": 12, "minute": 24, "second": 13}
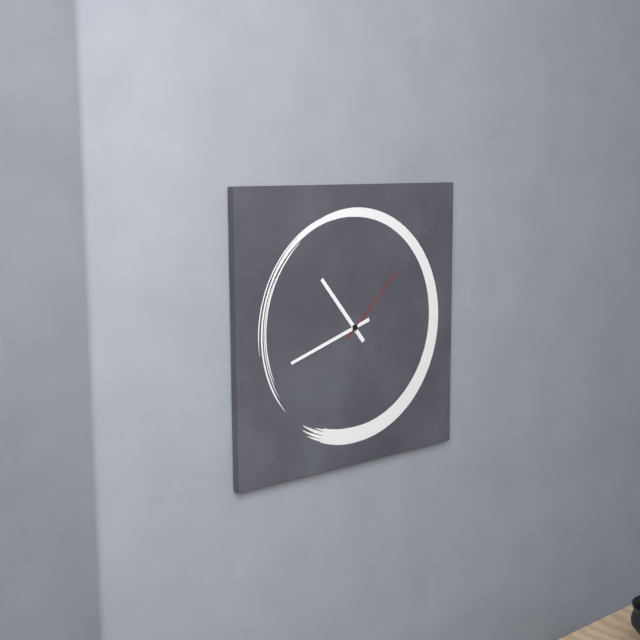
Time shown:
{"hour": 10, "minute": 42, "second": 8}
